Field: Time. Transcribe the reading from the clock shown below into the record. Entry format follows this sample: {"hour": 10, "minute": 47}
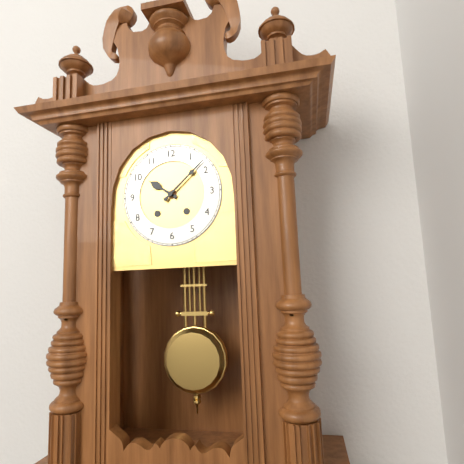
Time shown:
{"hour": 10, "minute": 8}
